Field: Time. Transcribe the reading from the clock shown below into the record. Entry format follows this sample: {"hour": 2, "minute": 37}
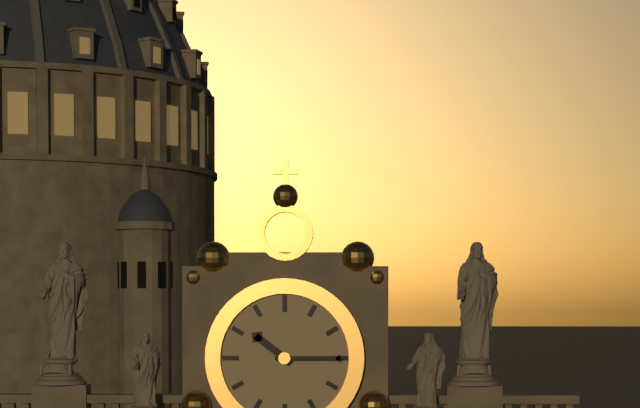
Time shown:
{"hour": 10, "minute": 15}
